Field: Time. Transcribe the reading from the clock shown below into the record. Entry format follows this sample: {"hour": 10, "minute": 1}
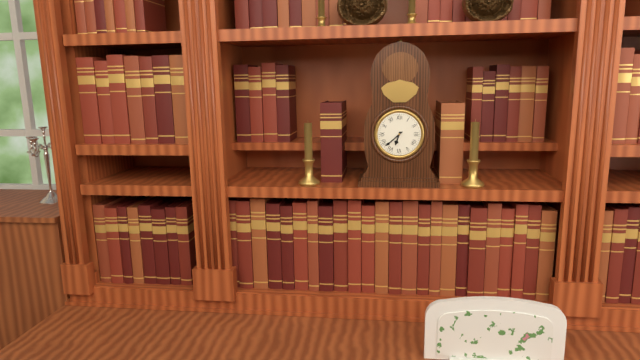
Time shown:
{"hour": 6, "minute": 38}
